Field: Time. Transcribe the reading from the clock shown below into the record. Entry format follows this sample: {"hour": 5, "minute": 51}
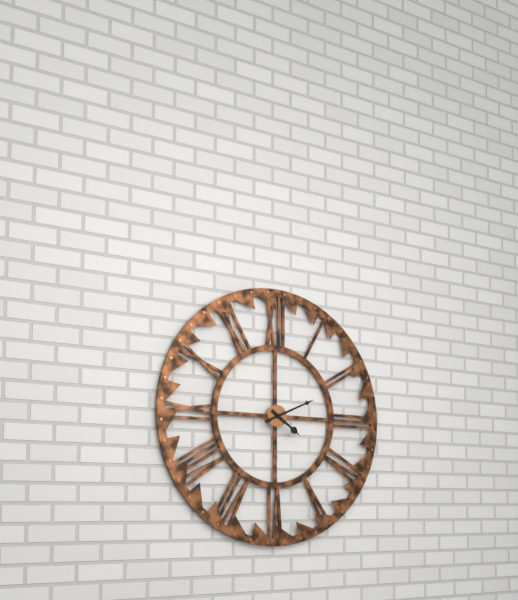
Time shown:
{"hour": 4, "minute": 11}
